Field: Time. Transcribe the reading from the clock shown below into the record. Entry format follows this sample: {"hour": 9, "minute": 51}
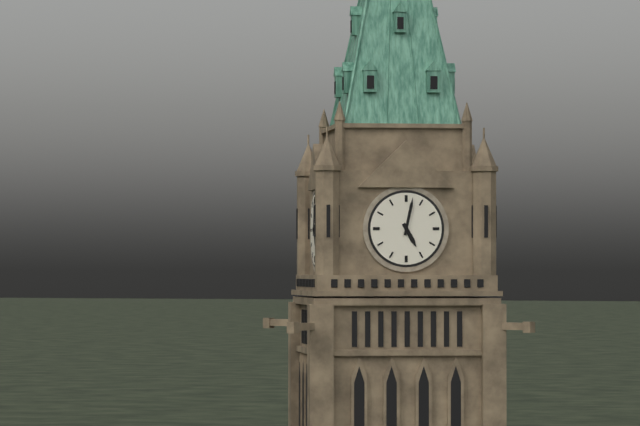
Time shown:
{"hour": 5, "minute": 2}
